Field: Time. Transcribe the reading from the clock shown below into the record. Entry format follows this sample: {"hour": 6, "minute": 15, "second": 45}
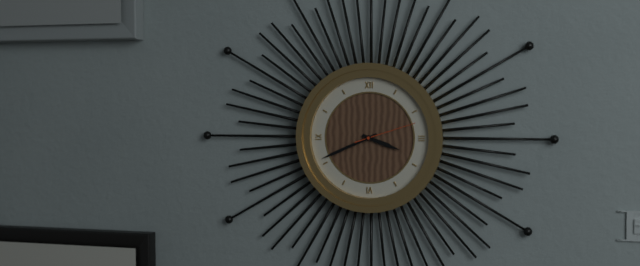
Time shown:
{"hour": 3, "minute": 41, "second": 12}
